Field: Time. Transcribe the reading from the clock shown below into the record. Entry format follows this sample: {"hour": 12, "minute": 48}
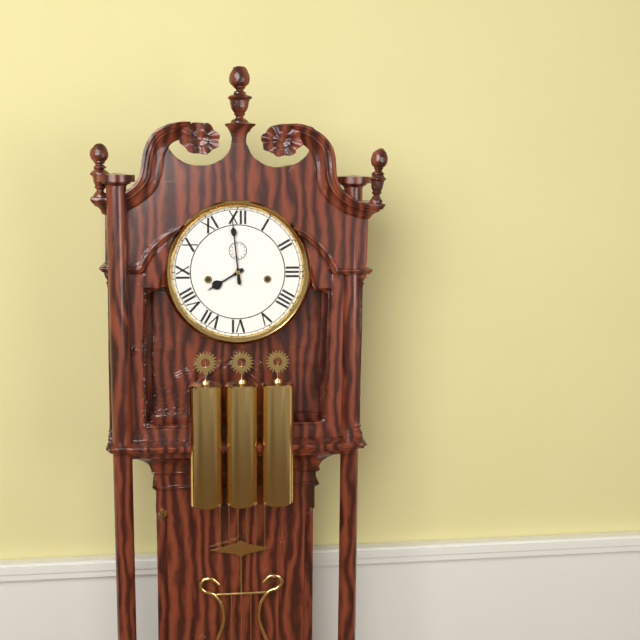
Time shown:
{"hour": 7, "minute": 59}
